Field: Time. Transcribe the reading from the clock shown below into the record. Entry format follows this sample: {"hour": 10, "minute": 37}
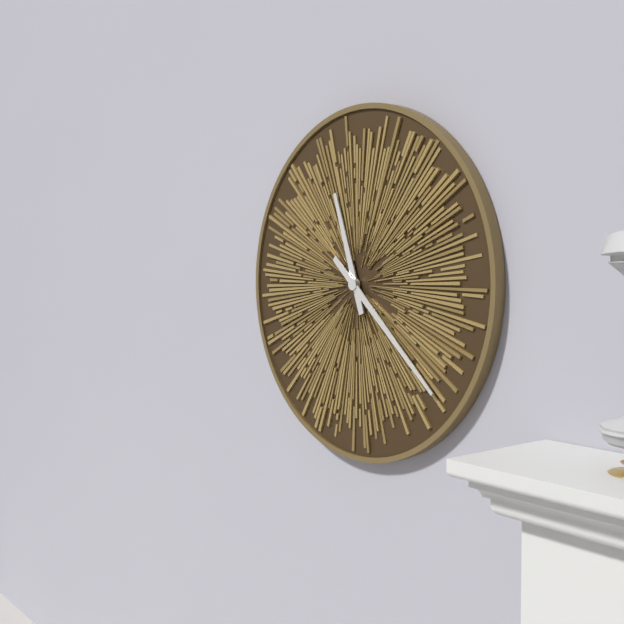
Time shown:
{"hour": 11, "minute": 22}
